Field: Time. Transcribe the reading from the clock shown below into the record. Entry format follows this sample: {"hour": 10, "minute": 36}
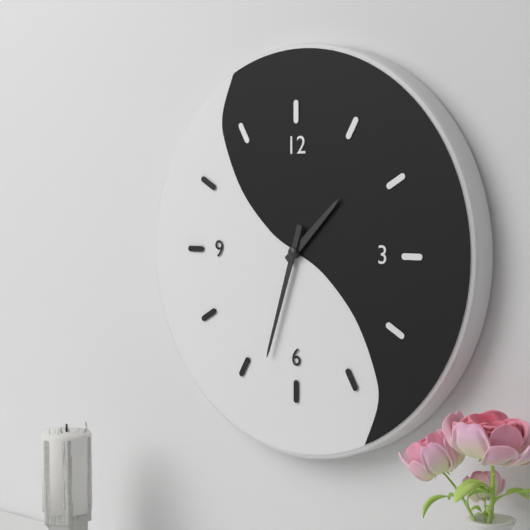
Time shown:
{"hour": 1, "minute": 33}
